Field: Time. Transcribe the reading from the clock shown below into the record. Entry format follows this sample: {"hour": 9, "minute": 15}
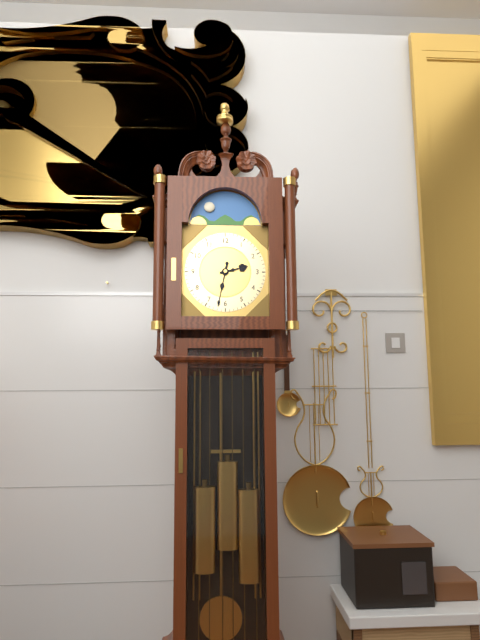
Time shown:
{"hour": 2, "minute": 32}
